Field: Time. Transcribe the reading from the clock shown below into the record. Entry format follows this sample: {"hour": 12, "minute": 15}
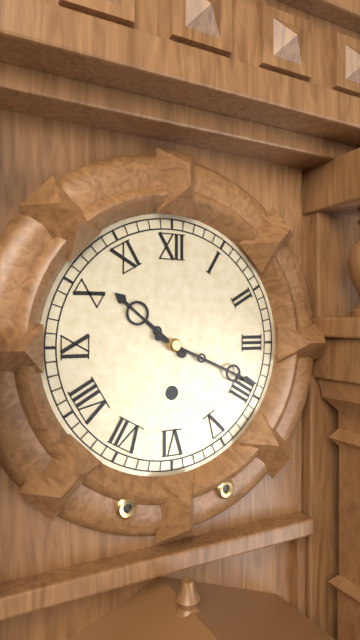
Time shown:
{"hour": 10, "minute": 19}
